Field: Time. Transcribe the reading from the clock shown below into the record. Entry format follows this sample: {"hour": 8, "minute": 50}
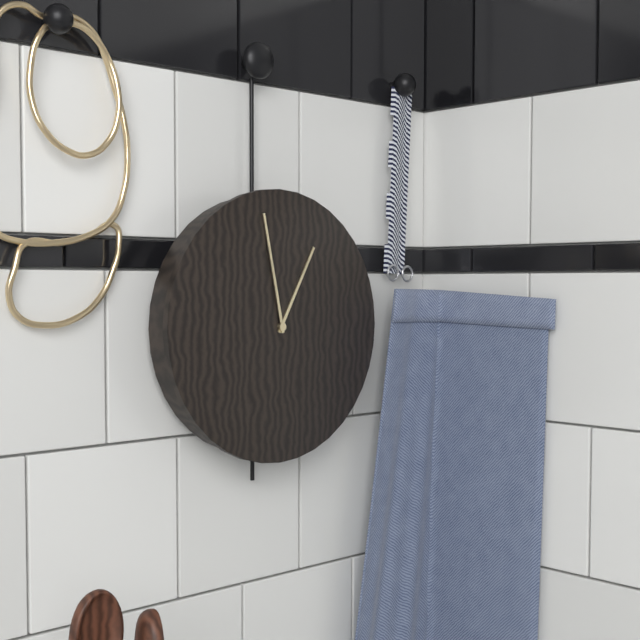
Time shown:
{"hour": 12, "minute": 58}
